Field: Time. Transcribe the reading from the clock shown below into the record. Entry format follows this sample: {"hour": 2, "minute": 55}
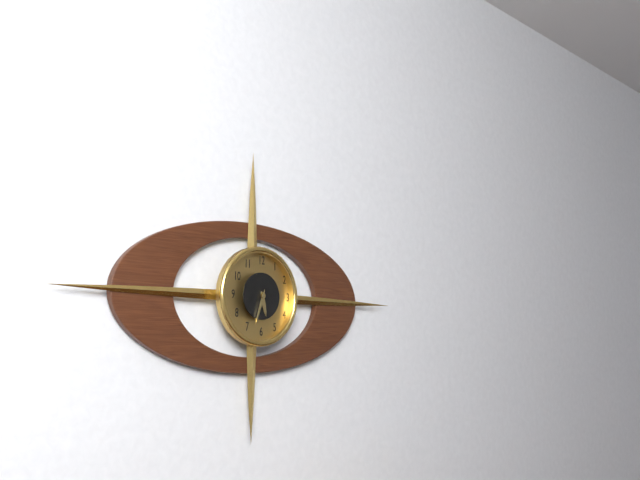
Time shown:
{"hour": 5, "minute": 33}
